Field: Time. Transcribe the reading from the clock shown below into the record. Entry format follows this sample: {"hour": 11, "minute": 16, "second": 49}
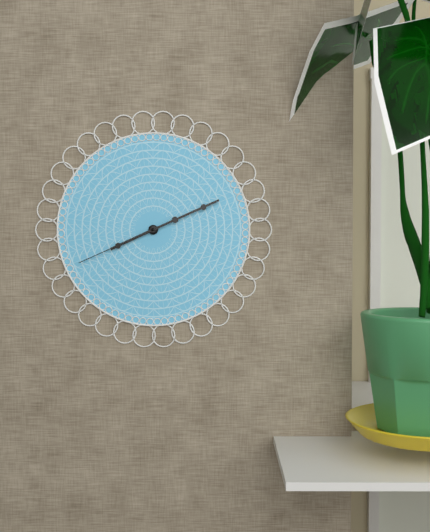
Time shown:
{"hour": 8, "minute": 11, "second": 41}
